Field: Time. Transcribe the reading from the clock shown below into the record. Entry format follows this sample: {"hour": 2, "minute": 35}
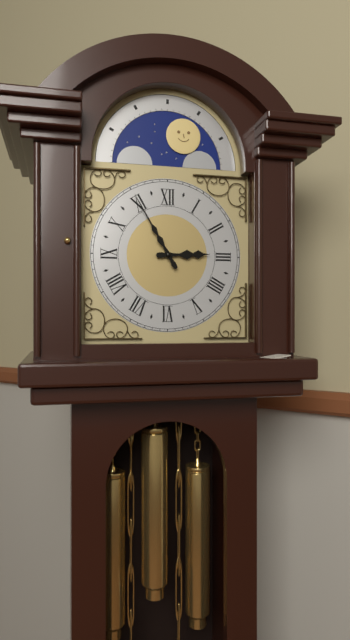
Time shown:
{"hour": 2, "minute": 55}
